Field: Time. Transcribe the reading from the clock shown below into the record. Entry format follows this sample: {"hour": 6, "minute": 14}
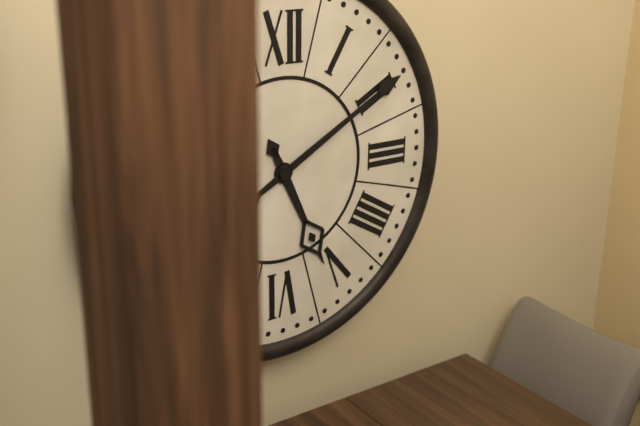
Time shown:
{"hour": 5, "minute": 10}
